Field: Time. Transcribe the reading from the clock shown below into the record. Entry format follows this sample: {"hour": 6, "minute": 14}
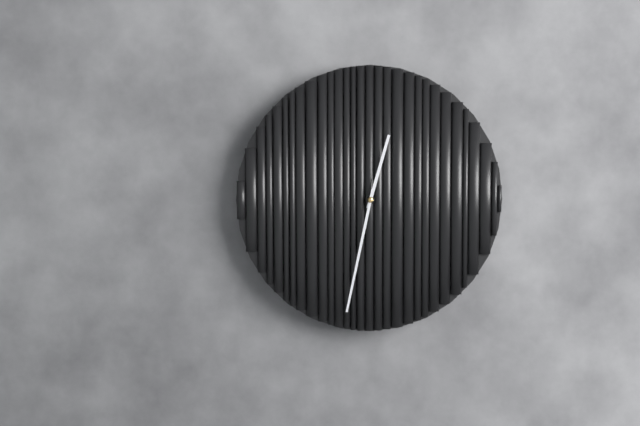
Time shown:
{"hour": 12, "minute": 32}
